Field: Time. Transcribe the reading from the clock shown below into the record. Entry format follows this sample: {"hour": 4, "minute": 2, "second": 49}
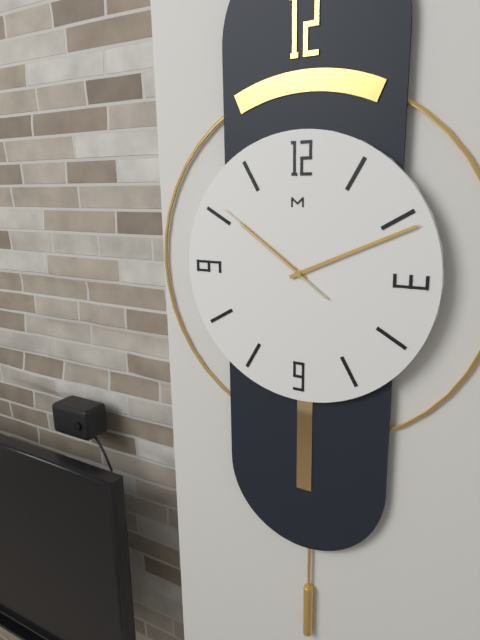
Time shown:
{"hour": 10, "minute": 11, "second": 51}
